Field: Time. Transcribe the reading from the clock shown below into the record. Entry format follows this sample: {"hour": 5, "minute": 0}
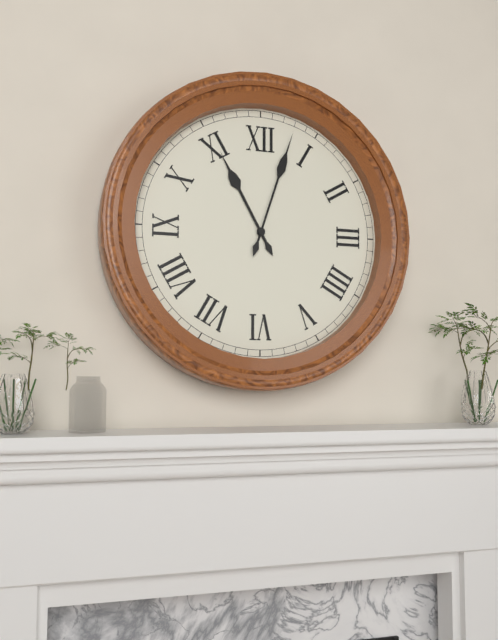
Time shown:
{"hour": 11, "minute": 3}
